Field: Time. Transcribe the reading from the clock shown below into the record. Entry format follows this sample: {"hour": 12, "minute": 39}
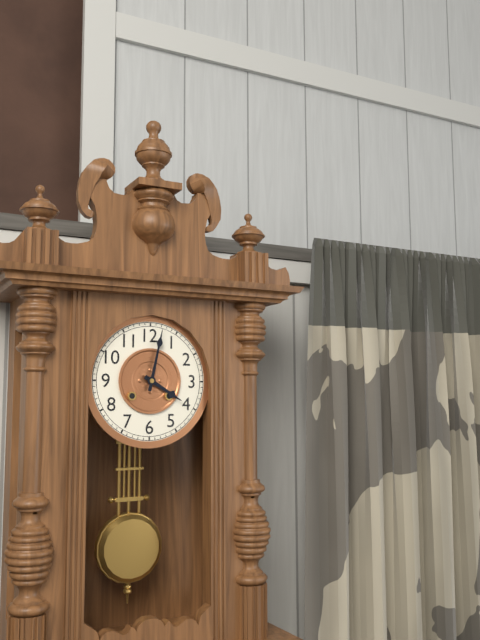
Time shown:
{"hour": 4, "minute": 2}
